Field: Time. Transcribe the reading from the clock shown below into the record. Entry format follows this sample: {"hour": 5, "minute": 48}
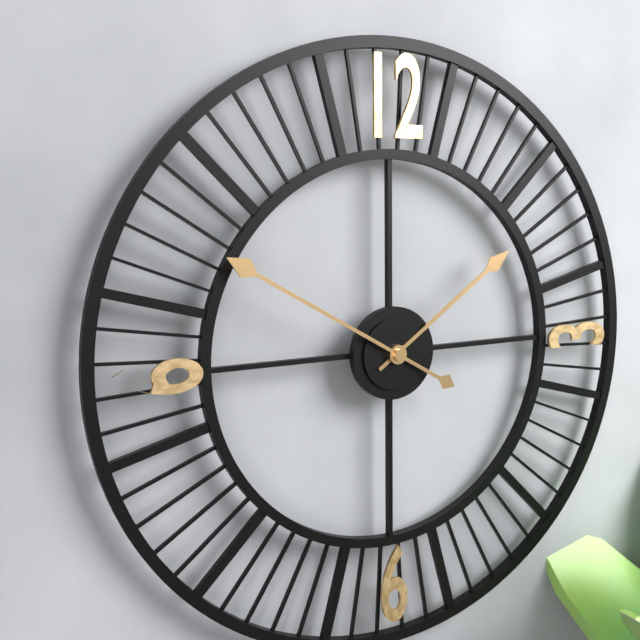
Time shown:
{"hour": 1, "minute": 50}
